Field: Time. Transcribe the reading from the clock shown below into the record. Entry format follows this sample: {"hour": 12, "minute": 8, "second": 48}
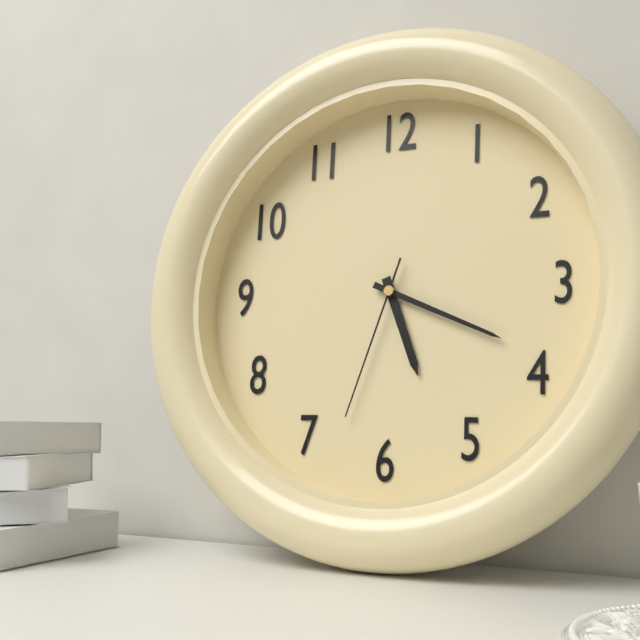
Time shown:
{"hour": 5, "minute": 19, "second": 33}
